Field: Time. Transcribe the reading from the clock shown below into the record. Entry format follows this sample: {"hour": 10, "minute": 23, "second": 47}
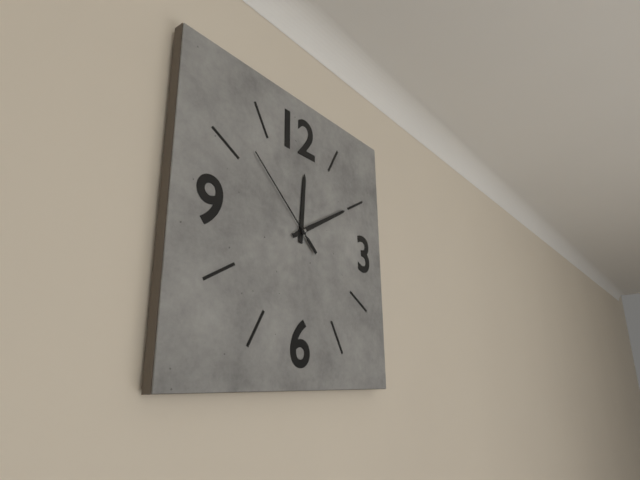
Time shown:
{"hour": 12, "minute": 10, "second": 52}
